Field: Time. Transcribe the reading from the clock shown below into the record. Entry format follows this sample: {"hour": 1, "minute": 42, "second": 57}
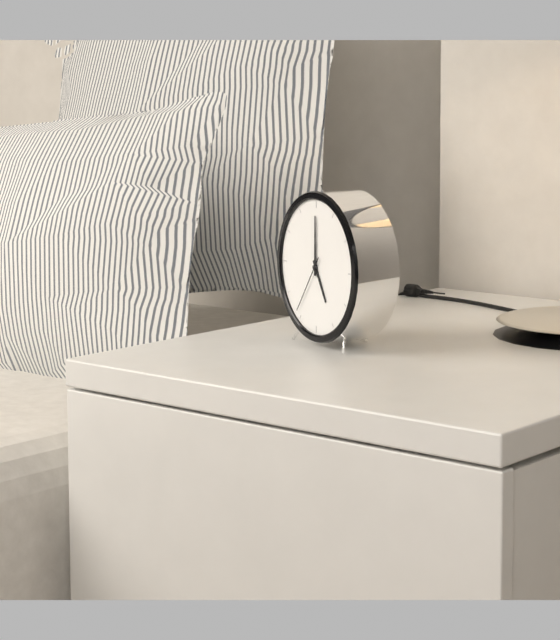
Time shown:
{"hour": 5, "minute": 0, "second": 36}
